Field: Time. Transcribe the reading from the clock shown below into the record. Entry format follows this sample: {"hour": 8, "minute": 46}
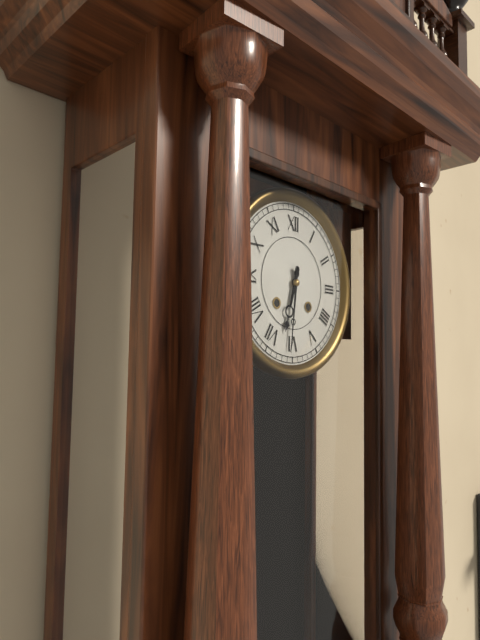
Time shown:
{"hour": 6, "minute": 31}
